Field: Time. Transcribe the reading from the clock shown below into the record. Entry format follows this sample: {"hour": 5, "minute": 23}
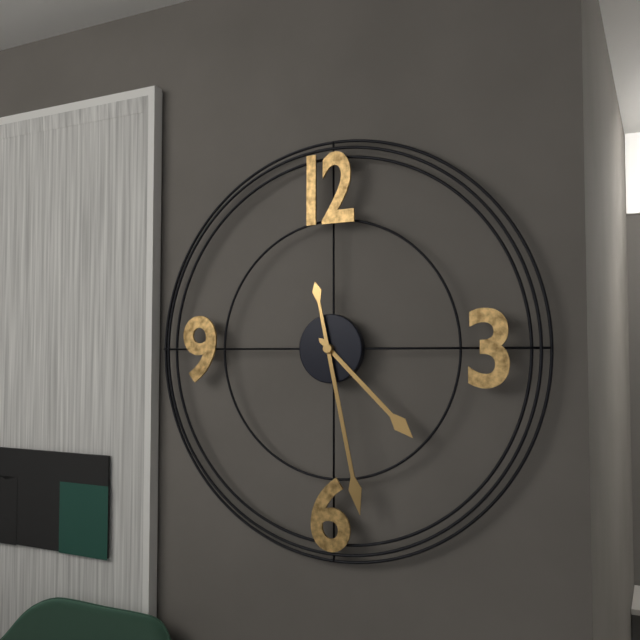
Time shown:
{"hour": 4, "minute": 28}
